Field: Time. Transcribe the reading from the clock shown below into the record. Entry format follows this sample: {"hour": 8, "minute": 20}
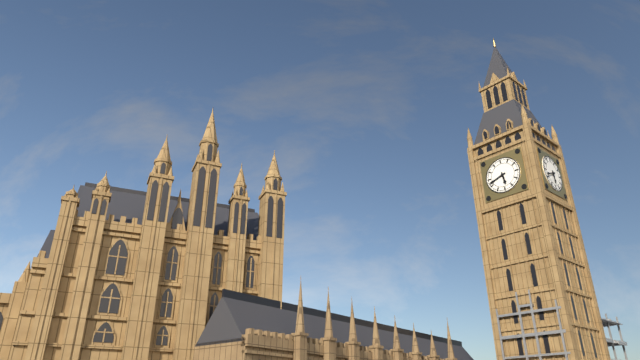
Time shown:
{"hour": 5, "minute": 42}
